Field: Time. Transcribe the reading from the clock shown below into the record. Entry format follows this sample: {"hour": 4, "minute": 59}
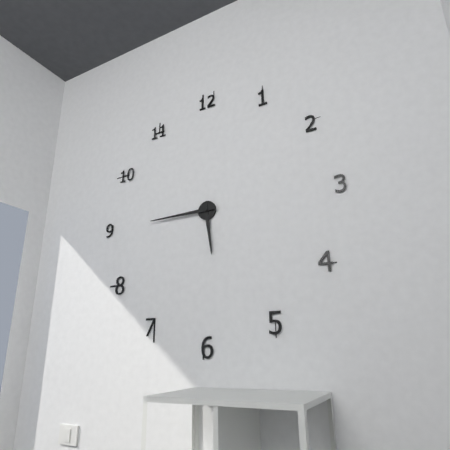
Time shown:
{"hour": 5, "minute": 45}
